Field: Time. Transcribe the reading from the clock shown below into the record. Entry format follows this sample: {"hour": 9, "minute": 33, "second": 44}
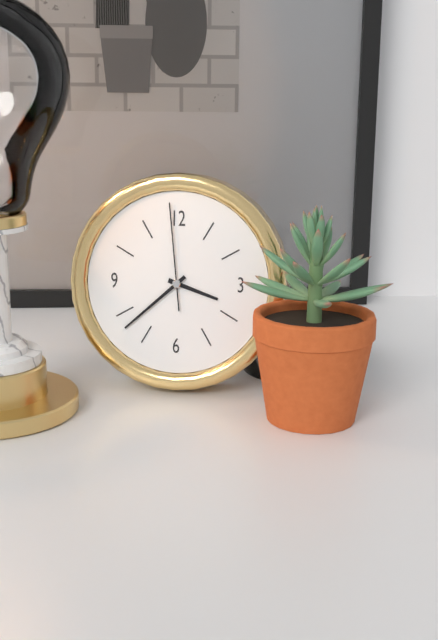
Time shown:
{"hour": 3, "minute": 38, "second": 59}
